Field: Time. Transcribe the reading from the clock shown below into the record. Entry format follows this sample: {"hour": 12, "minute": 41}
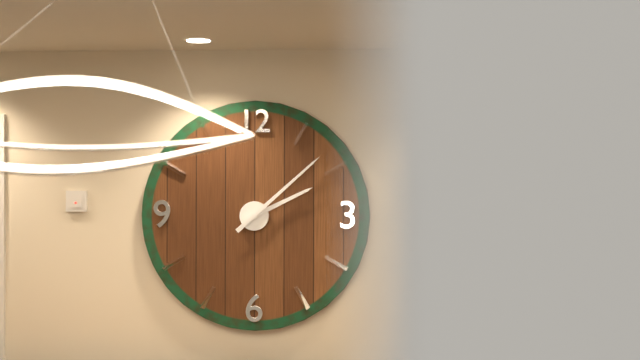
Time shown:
{"hour": 2, "minute": 8}
